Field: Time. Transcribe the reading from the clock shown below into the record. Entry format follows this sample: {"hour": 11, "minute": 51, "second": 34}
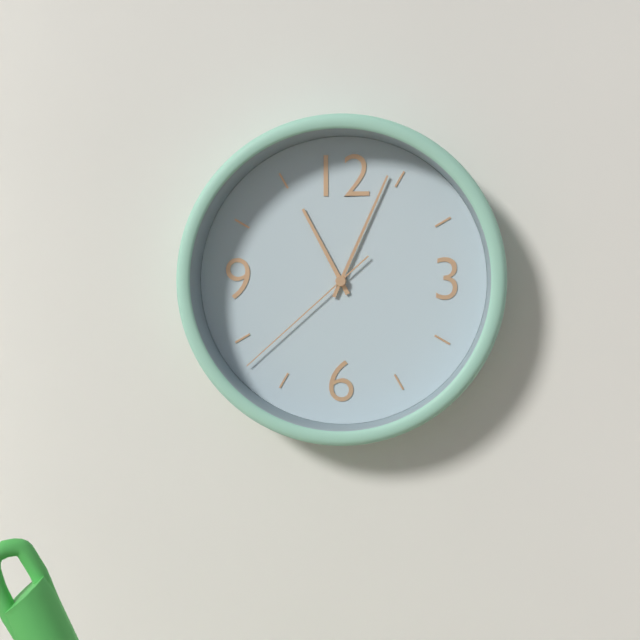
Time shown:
{"hour": 11, "minute": 4, "second": 38}
